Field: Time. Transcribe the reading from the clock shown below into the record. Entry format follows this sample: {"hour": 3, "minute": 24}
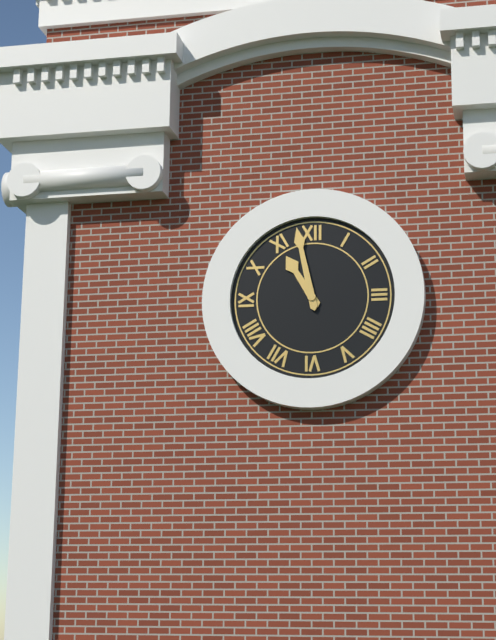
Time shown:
{"hour": 10, "minute": 58}
